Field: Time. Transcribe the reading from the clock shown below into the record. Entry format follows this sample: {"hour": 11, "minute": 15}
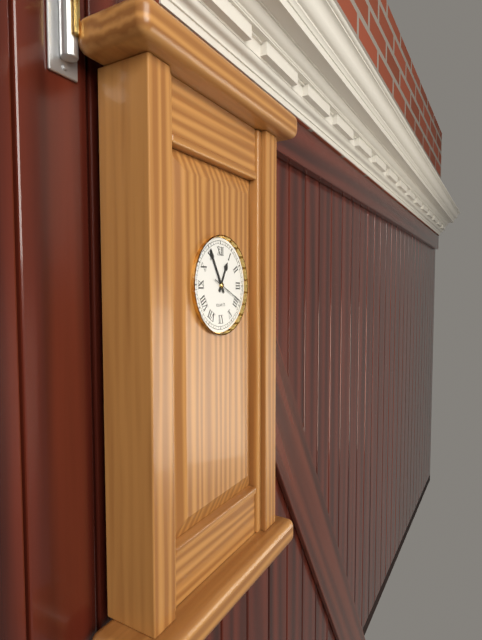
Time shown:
{"hour": 12, "minute": 55}
